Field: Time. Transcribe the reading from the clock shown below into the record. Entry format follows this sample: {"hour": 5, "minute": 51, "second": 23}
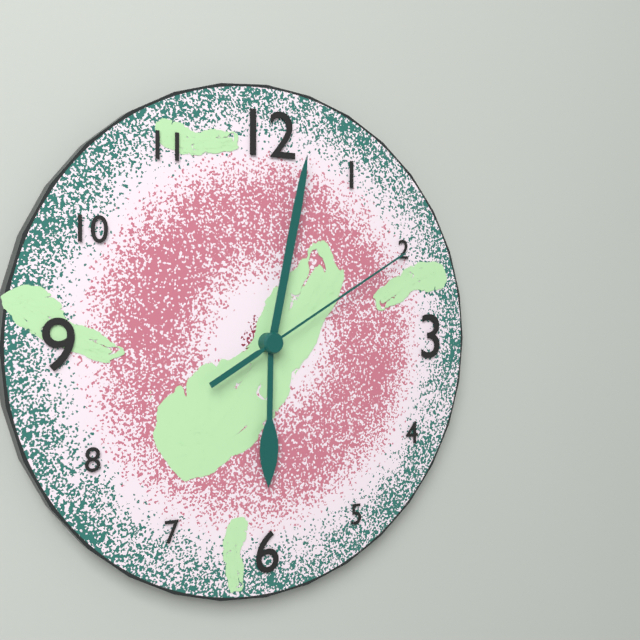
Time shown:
{"hour": 6, "minute": 2, "second": 10}
